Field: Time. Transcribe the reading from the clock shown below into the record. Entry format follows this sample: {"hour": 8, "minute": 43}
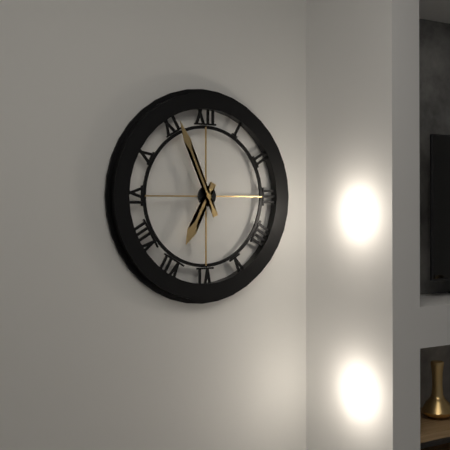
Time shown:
{"hour": 6, "minute": 56}
